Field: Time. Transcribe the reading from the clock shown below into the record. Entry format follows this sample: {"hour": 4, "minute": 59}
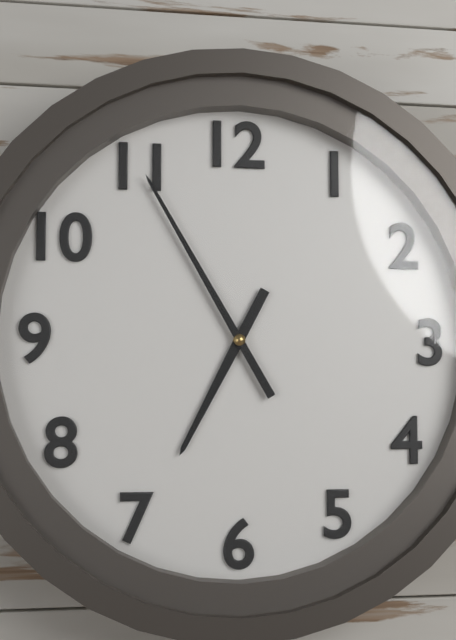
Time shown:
{"hour": 6, "minute": 55}
